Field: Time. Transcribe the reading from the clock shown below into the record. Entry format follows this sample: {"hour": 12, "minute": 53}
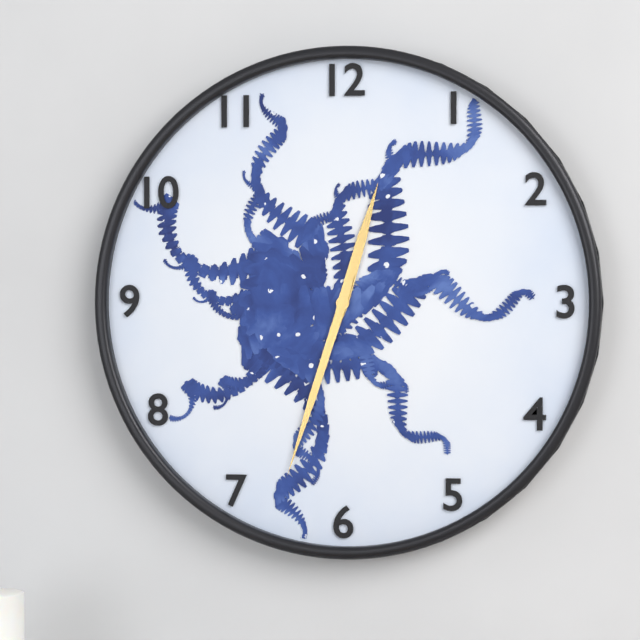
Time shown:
{"hour": 12, "minute": 33}
